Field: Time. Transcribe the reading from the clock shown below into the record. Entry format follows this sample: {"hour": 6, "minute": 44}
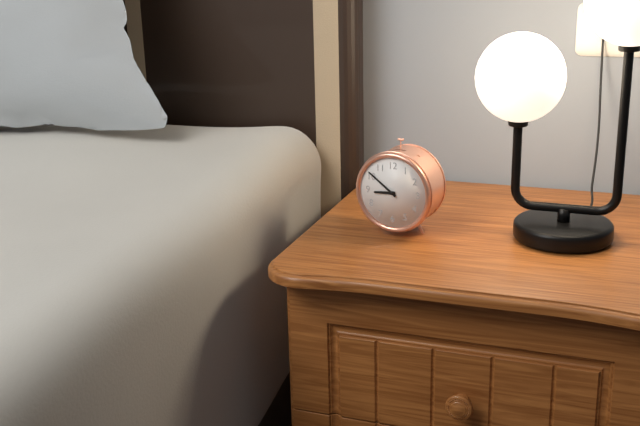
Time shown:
{"hour": 8, "minute": 51}
